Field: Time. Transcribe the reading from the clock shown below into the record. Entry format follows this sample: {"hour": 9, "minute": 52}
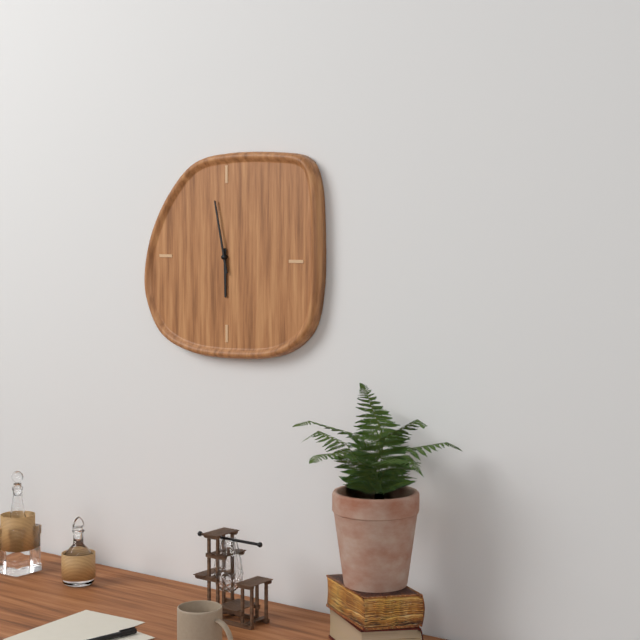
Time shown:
{"hour": 5, "minute": 58}
